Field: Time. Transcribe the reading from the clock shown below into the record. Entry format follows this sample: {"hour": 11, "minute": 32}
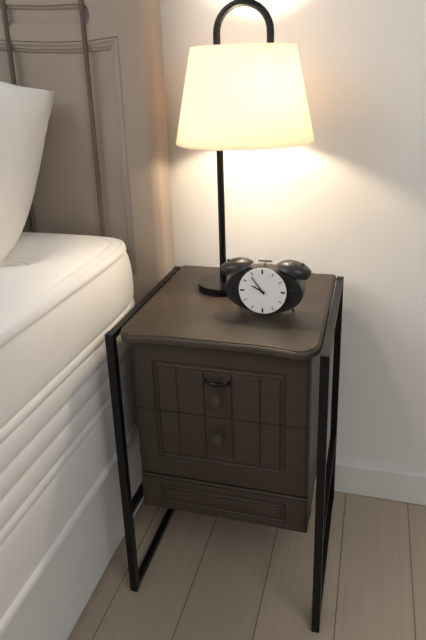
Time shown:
{"hour": 9, "minute": 54}
